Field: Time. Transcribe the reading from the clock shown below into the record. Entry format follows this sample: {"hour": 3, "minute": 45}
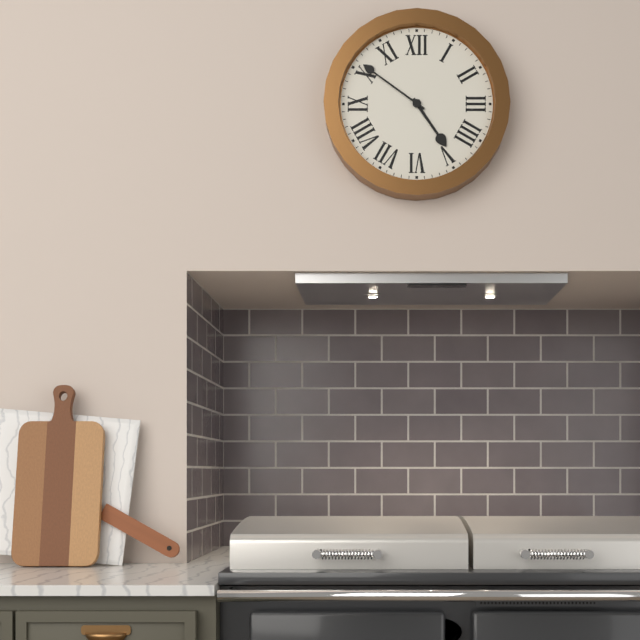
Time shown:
{"hour": 4, "minute": 51}
